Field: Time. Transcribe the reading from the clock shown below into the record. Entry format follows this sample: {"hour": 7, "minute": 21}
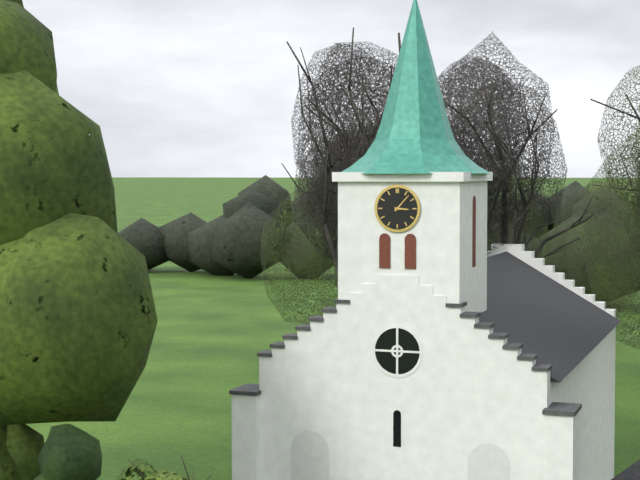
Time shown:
{"hour": 3, "minute": 7}
